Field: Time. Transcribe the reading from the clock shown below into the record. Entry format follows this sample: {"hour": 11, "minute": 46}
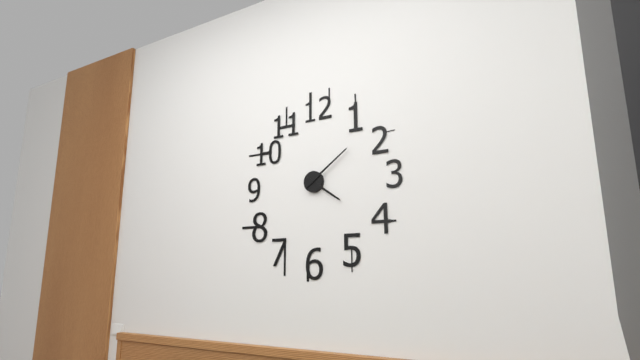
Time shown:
{"hour": 4, "minute": 9}
